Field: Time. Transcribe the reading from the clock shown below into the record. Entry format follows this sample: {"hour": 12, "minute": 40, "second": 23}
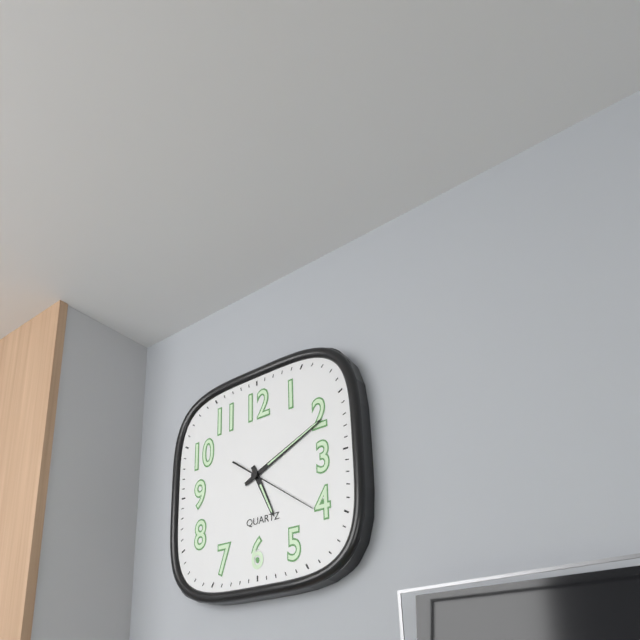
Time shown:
{"hour": 5, "minute": 11, "second": 21}
